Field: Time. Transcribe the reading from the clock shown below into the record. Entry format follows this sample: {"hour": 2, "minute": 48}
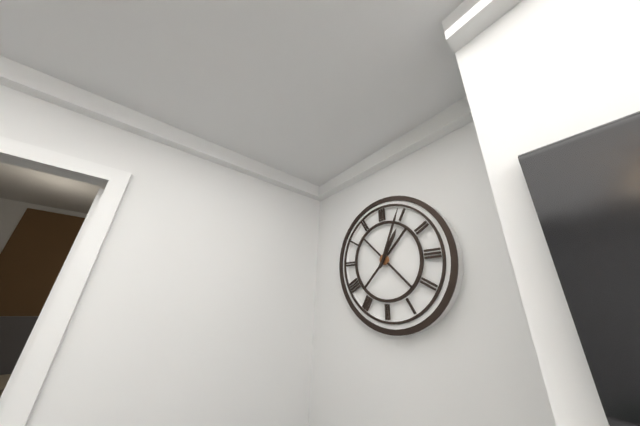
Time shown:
{"hour": 1, "minute": 4}
